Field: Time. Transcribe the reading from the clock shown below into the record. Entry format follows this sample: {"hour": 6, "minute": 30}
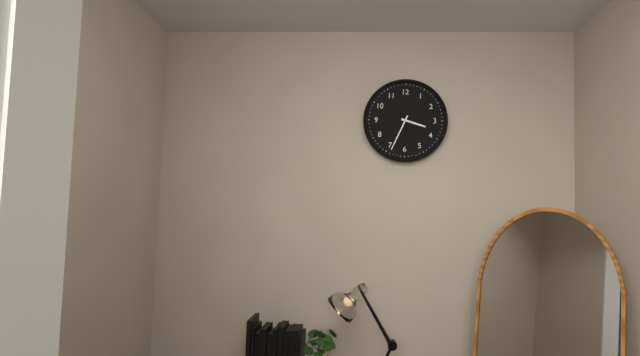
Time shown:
{"hour": 3, "minute": 34}
